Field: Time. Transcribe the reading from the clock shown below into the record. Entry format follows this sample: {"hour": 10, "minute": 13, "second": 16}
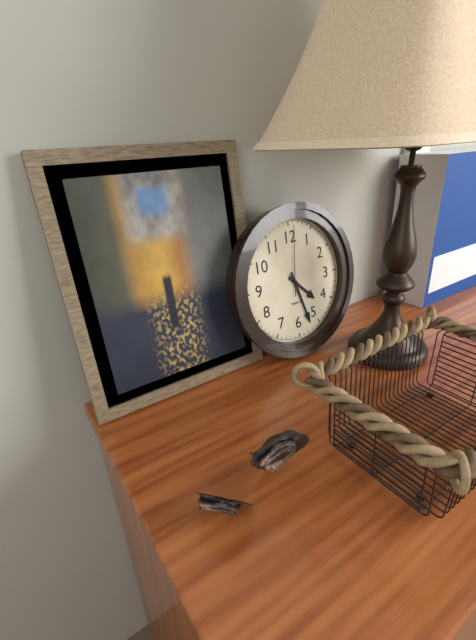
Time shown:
{"hour": 4, "minute": 27, "second": 1}
